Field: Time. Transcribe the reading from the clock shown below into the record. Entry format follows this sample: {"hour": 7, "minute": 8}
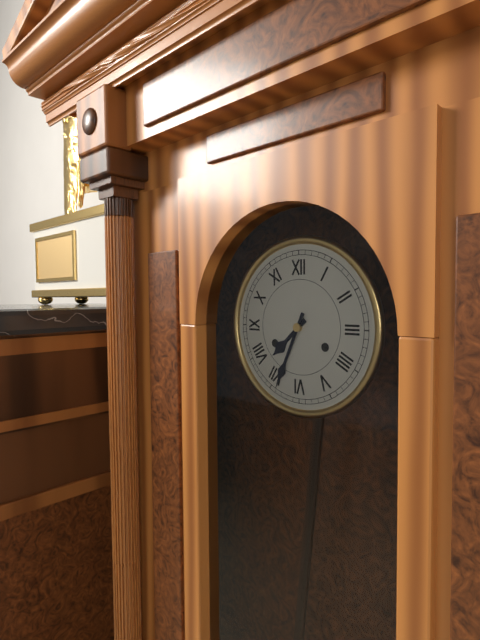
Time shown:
{"hour": 7, "minute": 34}
